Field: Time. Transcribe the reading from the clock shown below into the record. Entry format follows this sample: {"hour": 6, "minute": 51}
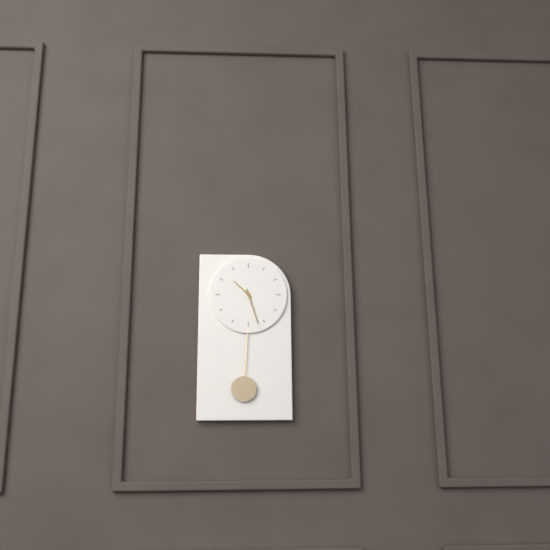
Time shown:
{"hour": 10, "minute": 27}
